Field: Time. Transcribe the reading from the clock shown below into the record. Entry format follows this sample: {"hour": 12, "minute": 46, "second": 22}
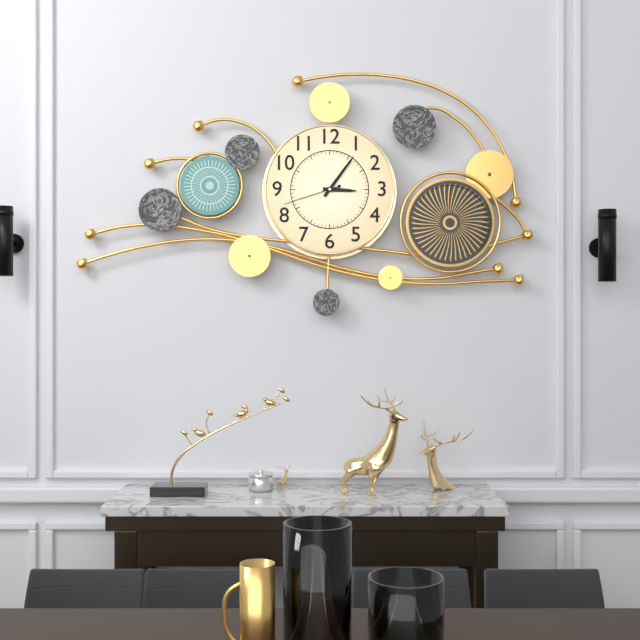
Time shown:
{"hour": 3, "minute": 6, "second": 42}
